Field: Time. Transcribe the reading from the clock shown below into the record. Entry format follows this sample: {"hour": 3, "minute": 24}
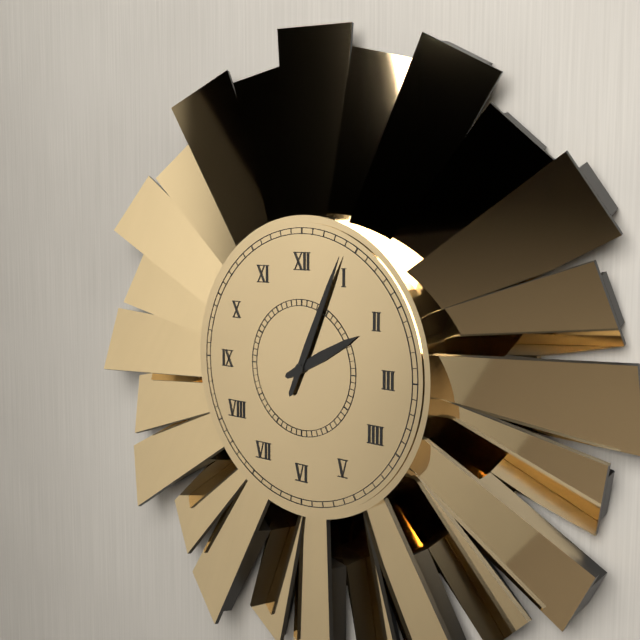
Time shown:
{"hour": 2, "minute": 4}
